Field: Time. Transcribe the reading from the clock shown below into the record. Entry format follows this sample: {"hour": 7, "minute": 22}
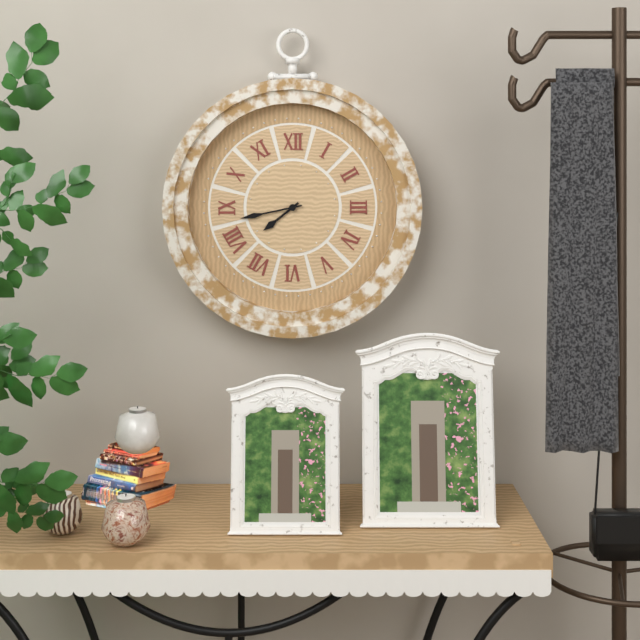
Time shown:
{"hour": 7, "minute": 43}
